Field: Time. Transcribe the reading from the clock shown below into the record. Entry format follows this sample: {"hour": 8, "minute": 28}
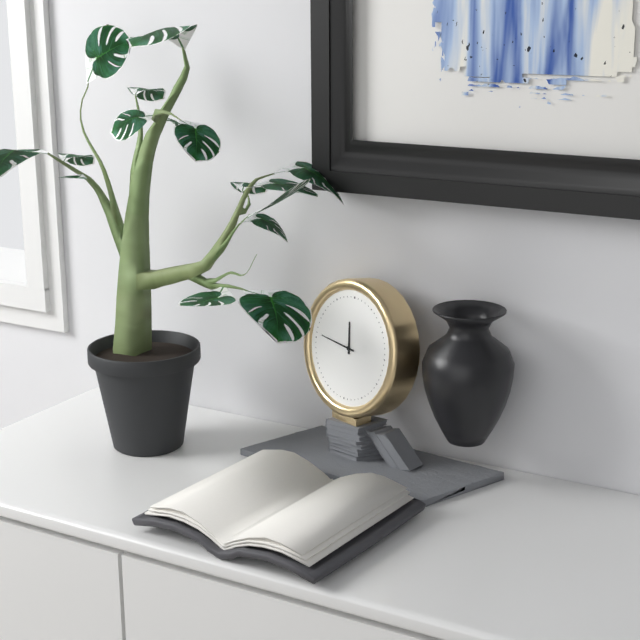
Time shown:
{"hour": 11, "minute": 46}
